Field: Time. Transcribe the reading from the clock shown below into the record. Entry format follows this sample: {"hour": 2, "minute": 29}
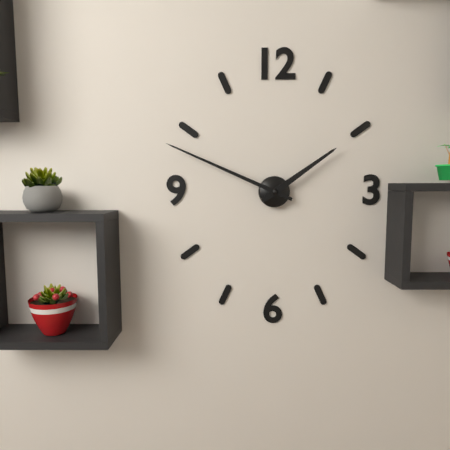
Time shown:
{"hour": 1, "minute": 49}
